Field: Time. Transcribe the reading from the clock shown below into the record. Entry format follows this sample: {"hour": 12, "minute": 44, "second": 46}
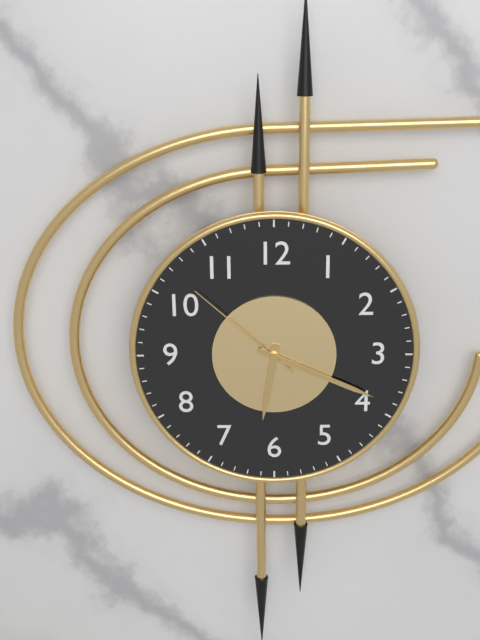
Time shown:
{"hour": 6, "minute": 19, "second": 52}
